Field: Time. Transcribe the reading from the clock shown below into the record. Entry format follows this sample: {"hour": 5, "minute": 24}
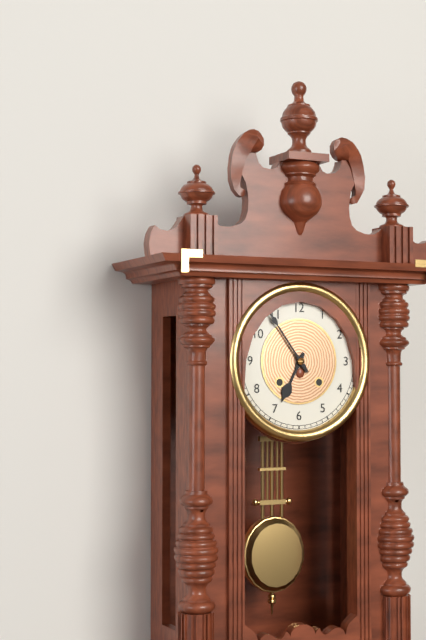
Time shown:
{"hour": 6, "minute": 54}
